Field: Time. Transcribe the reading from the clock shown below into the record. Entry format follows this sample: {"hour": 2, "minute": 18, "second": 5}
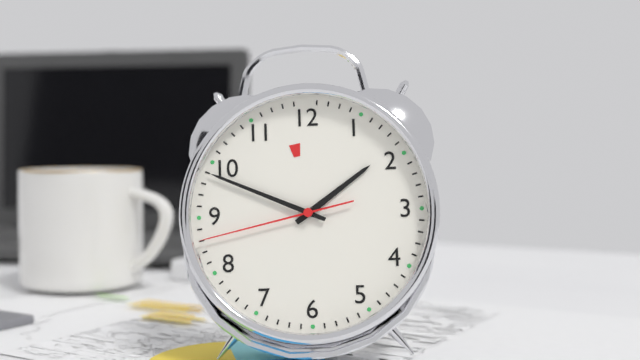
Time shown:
{"hour": 1, "minute": 49, "second": 43}
